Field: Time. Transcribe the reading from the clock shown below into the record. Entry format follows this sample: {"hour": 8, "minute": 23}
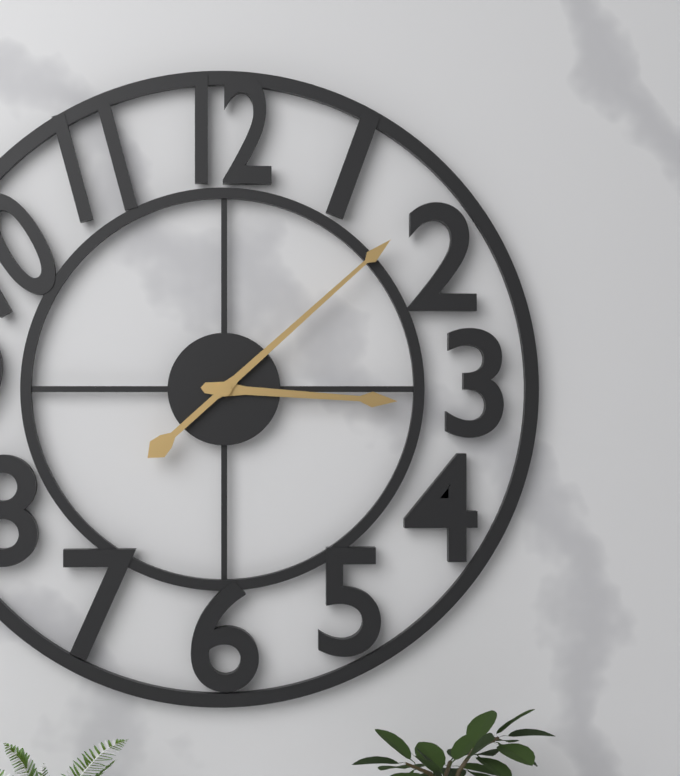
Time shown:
{"hour": 3, "minute": 8}
